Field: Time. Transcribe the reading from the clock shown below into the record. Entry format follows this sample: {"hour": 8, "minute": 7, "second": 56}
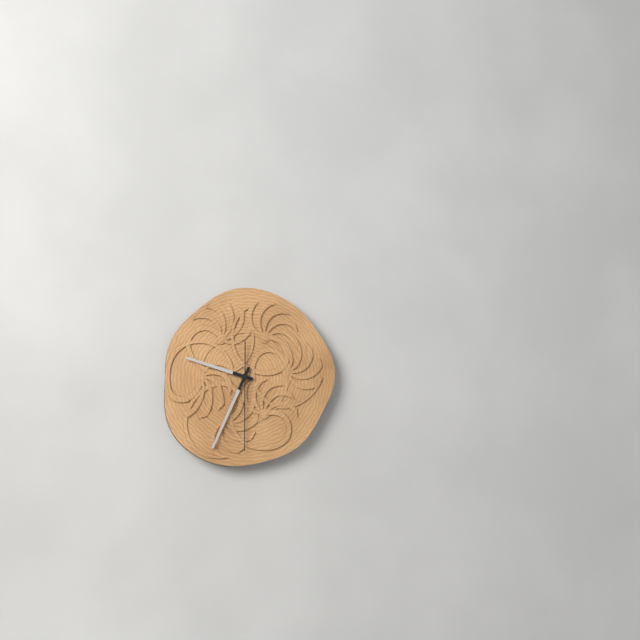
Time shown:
{"hour": 9, "minute": 34, "second": 30}
